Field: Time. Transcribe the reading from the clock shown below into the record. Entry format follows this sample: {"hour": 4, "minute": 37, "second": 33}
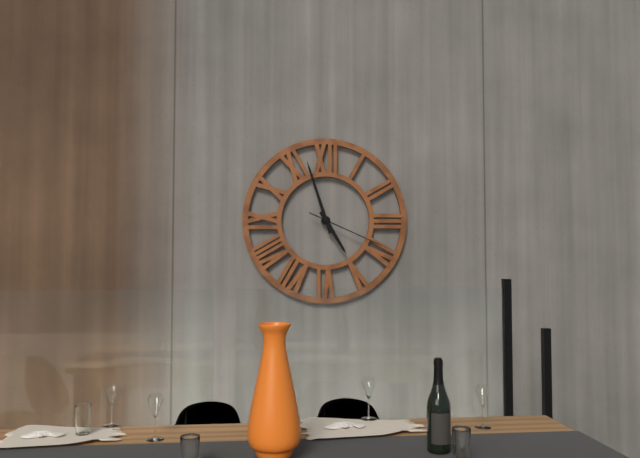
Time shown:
{"hour": 4, "minute": 57, "second": 19}
